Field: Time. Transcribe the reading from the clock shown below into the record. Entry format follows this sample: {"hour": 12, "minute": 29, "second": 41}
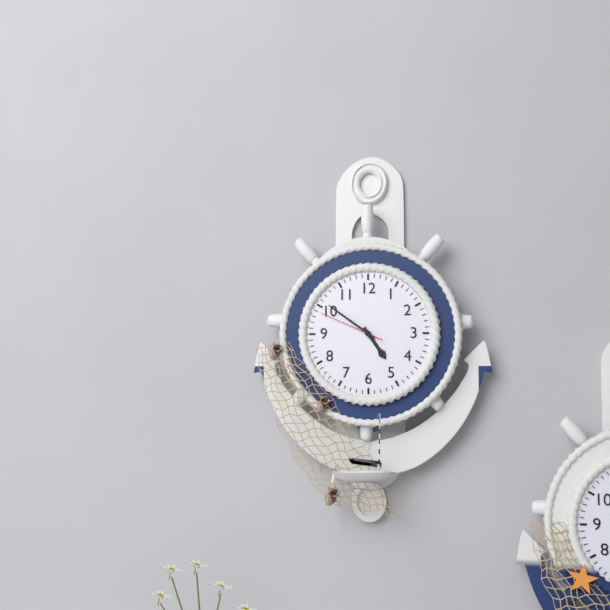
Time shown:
{"hour": 4, "minute": 51, "second": 49}
